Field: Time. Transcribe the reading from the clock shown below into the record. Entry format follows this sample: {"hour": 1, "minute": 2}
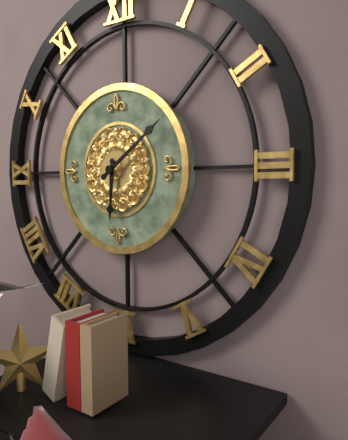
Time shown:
{"hour": 6, "minute": 9}
